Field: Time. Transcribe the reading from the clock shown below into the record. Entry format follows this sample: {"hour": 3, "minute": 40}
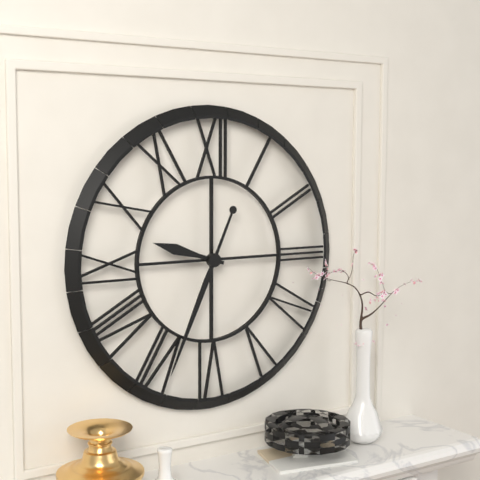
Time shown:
{"hour": 9, "minute": 34}
